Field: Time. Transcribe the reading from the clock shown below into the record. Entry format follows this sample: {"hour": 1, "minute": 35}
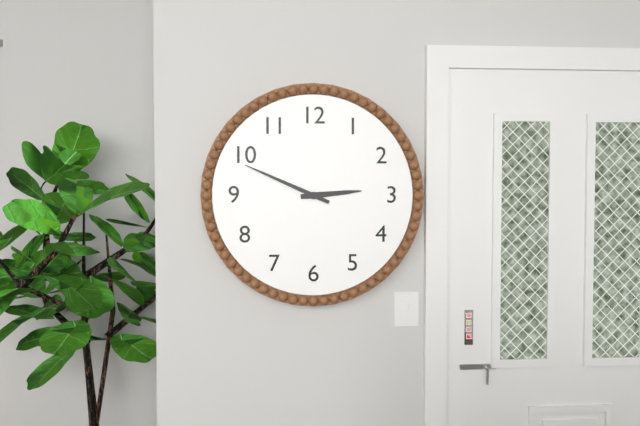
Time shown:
{"hour": 2, "minute": 49}
